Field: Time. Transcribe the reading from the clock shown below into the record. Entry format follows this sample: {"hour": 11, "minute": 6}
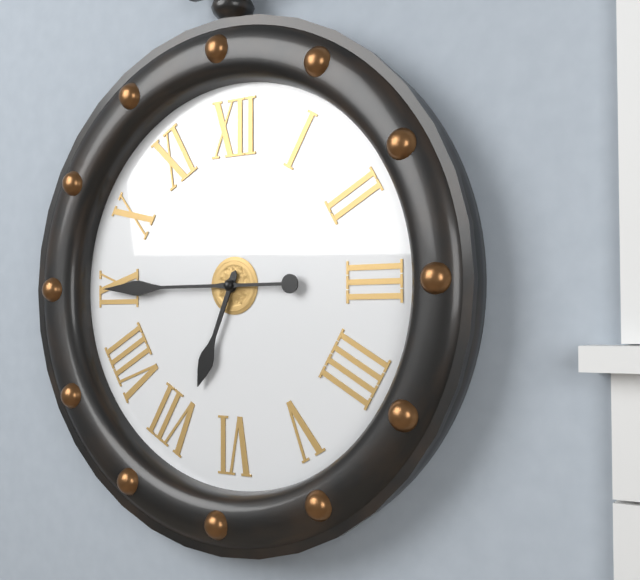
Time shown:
{"hour": 6, "minute": 45}
